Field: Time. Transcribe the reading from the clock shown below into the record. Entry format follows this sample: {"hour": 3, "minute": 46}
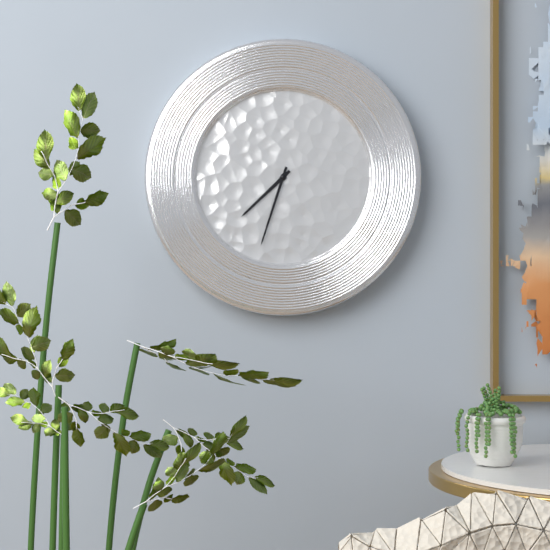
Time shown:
{"hour": 7, "minute": 33}
